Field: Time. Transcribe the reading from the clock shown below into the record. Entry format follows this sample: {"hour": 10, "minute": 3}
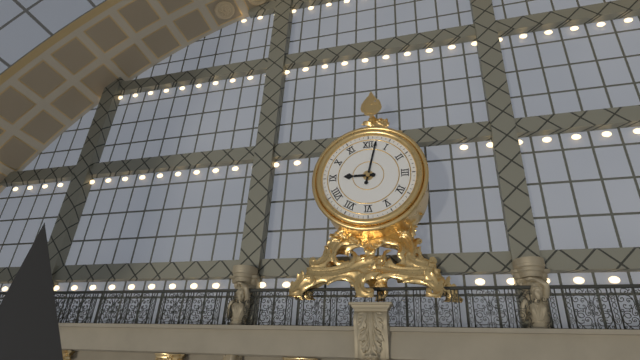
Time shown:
{"hour": 9, "minute": 2}
